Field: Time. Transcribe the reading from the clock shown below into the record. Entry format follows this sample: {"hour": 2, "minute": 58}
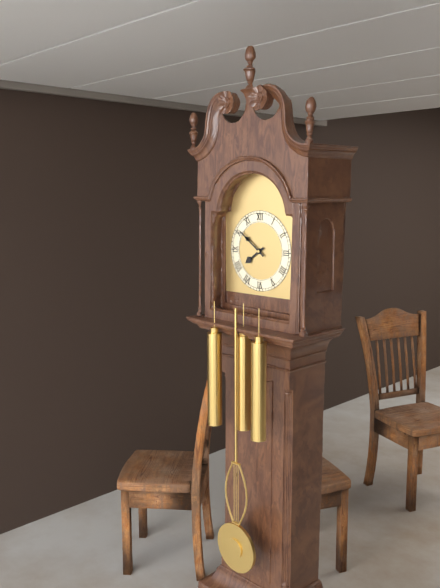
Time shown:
{"hour": 7, "minute": 51}
